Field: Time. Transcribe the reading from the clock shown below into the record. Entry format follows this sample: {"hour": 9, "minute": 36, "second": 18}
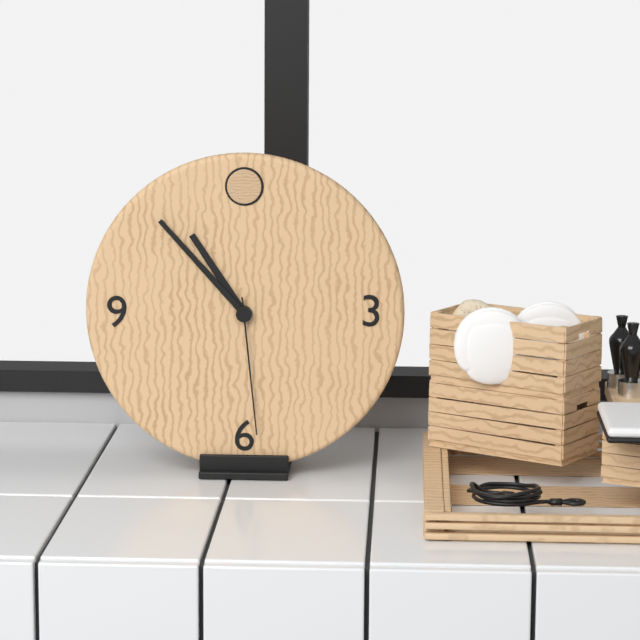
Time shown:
{"hour": 10, "minute": 53, "second": 29}
